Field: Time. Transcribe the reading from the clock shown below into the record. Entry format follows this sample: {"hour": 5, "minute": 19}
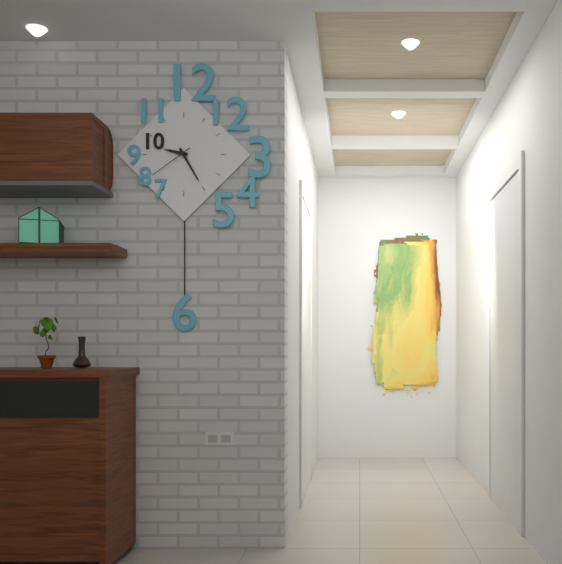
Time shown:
{"hour": 9, "minute": 25}
